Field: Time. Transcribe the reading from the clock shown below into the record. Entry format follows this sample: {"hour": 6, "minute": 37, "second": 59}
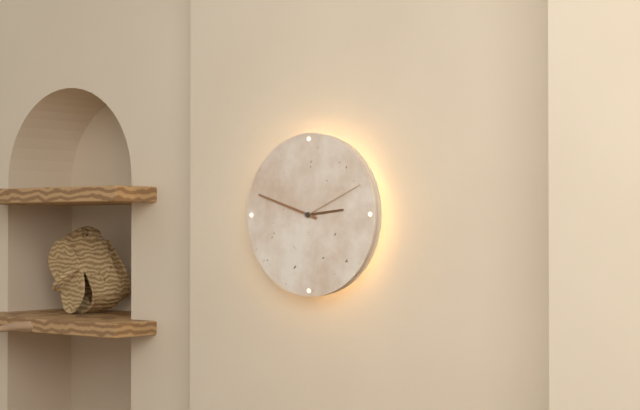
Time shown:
{"hour": 2, "minute": 48, "second": 11}
